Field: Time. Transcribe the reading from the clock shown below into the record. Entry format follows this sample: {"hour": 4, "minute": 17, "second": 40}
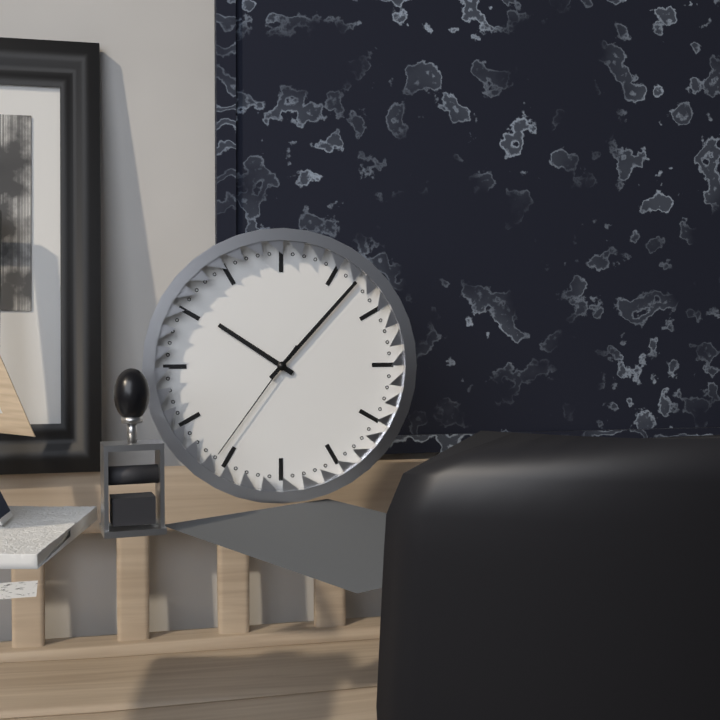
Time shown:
{"hour": 10, "minute": 7, "second": 36}
